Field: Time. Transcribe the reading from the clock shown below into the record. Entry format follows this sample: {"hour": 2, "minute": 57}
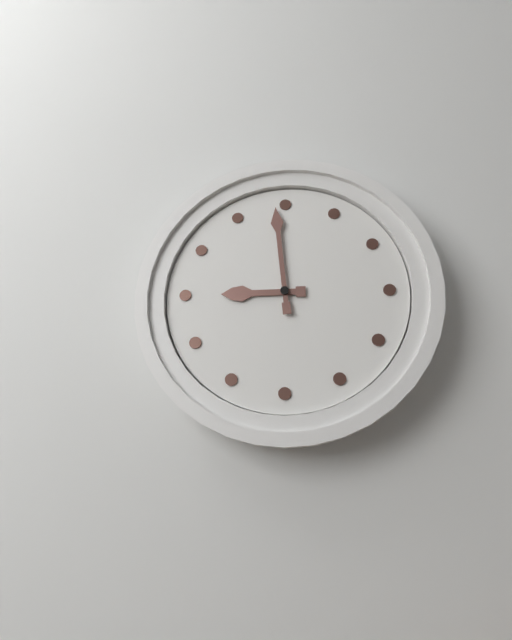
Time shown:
{"hour": 8, "minute": 59}
